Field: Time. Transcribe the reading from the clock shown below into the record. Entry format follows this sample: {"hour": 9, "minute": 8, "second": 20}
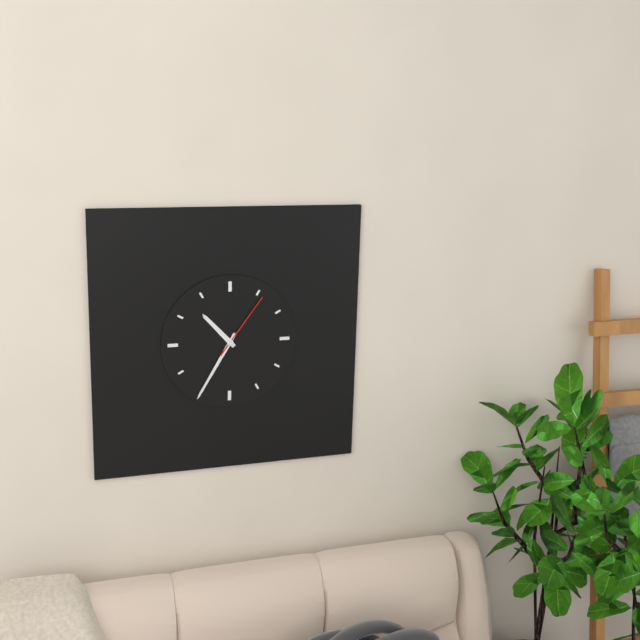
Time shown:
{"hour": 10, "minute": 35, "second": 6}
